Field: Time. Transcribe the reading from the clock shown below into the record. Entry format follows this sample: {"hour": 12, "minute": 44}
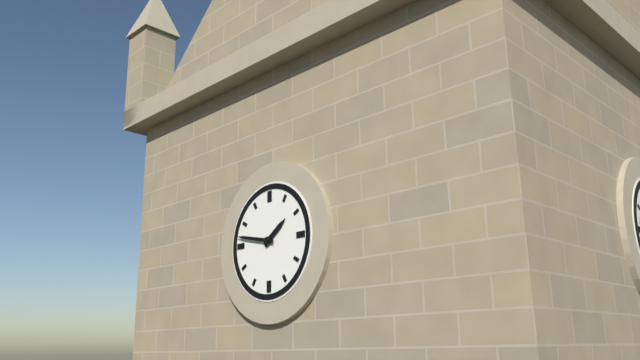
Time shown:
{"hour": 1, "minute": 47}
